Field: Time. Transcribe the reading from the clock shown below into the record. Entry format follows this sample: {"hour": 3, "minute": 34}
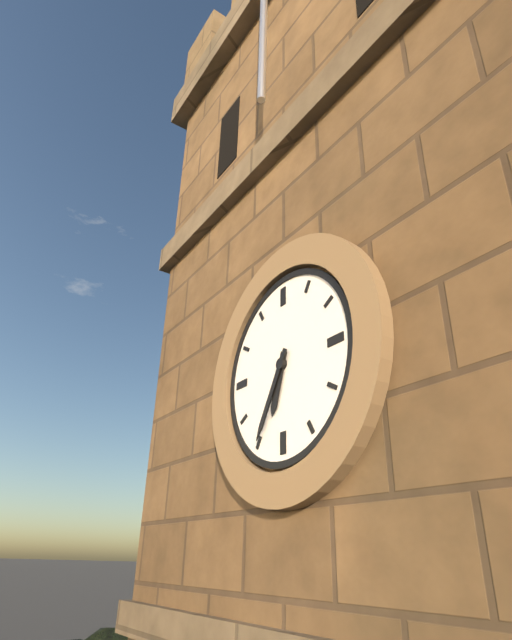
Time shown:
{"hour": 6, "minute": 35}
